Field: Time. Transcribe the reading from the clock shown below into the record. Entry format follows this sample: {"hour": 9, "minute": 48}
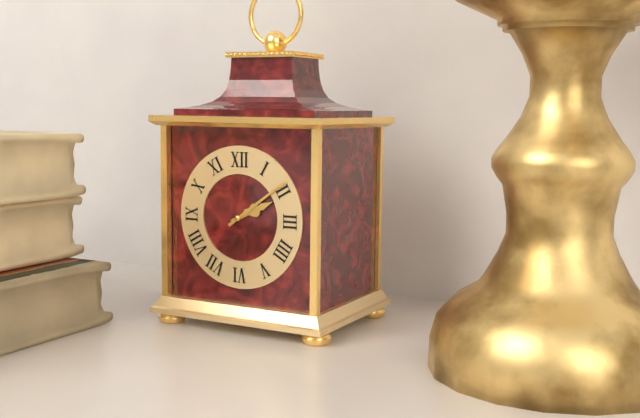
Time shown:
{"hour": 2, "minute": 9}
